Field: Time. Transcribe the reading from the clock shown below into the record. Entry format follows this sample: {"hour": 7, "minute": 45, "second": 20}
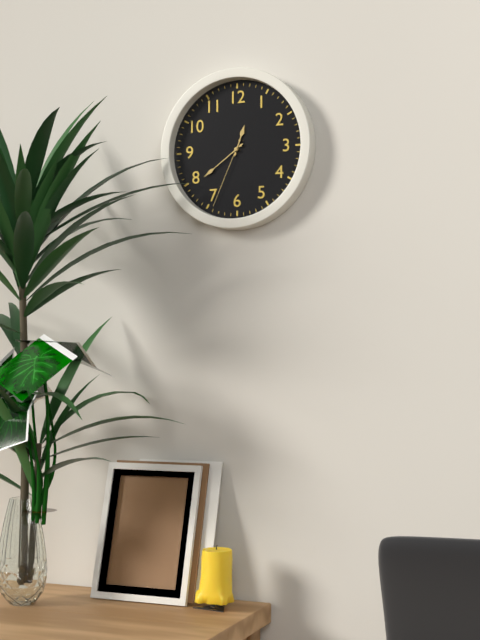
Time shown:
{"hour": 12, "minute": 39, "second": 34}
